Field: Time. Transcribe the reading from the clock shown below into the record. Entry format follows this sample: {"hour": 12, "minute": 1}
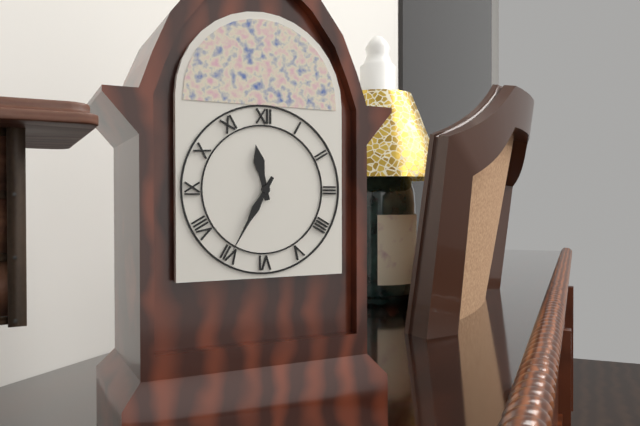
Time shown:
{"hour": 11, "minute": 35}
